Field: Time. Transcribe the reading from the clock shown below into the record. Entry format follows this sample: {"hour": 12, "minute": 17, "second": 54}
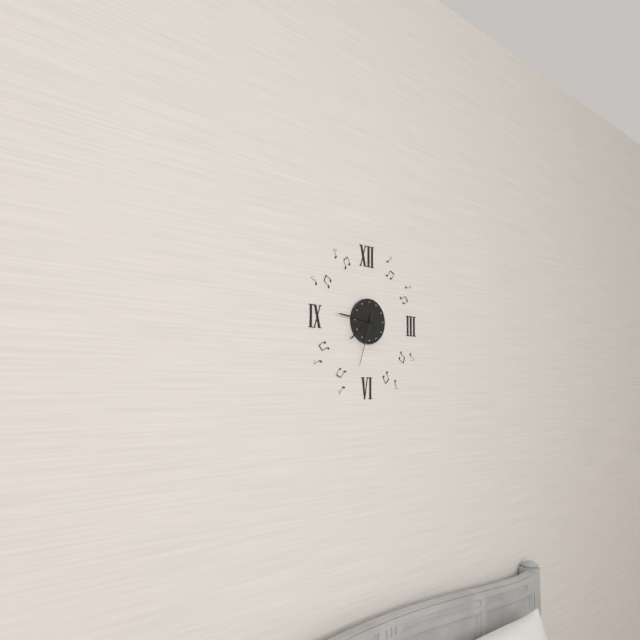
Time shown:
{"hour": 7, "minute": 46, "second": 33}
